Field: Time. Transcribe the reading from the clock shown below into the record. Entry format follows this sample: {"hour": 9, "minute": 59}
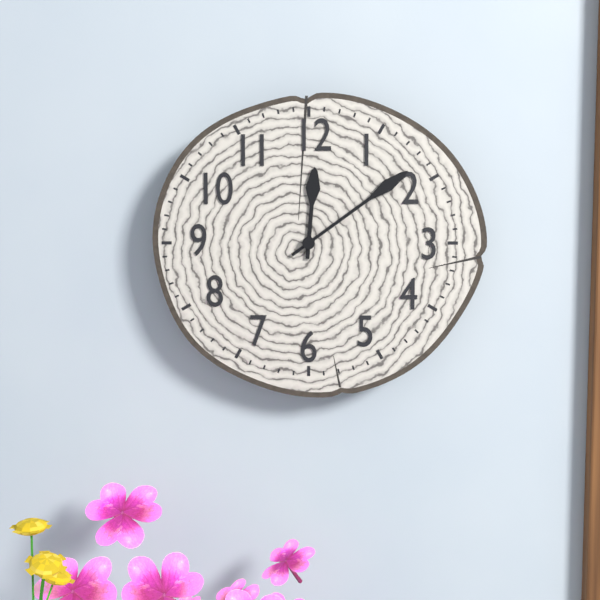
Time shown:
{"hour": 12, "minute": 9}
